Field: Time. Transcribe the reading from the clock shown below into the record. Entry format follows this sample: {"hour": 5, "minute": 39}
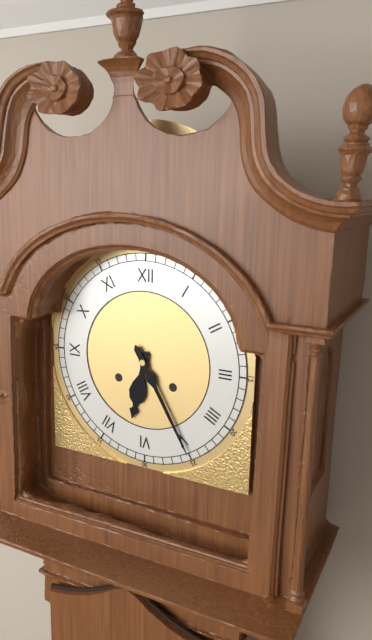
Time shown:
{"hour": 6, "minute": 25}
